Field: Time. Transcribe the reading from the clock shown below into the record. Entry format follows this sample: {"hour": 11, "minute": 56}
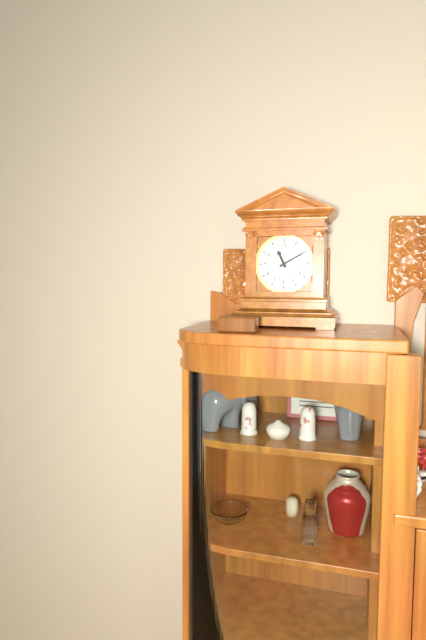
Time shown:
{"hour": 11, "minute": 10}
